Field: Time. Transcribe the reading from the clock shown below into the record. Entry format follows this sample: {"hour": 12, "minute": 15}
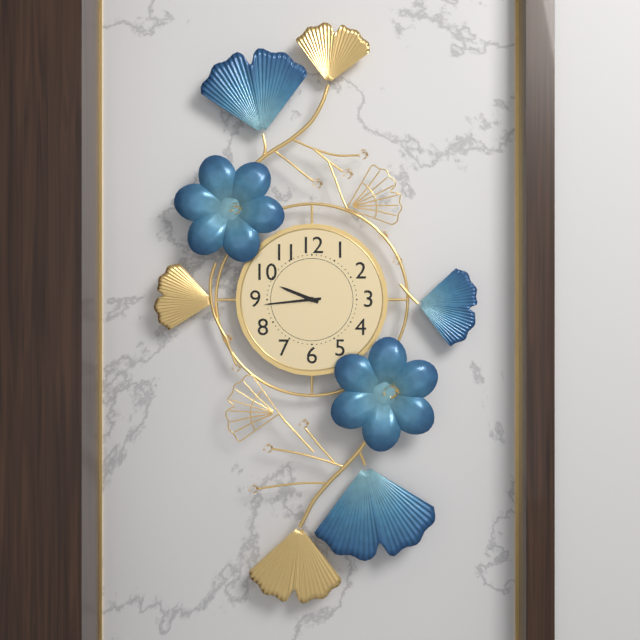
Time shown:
{"hour": 9, "minute": 44}
